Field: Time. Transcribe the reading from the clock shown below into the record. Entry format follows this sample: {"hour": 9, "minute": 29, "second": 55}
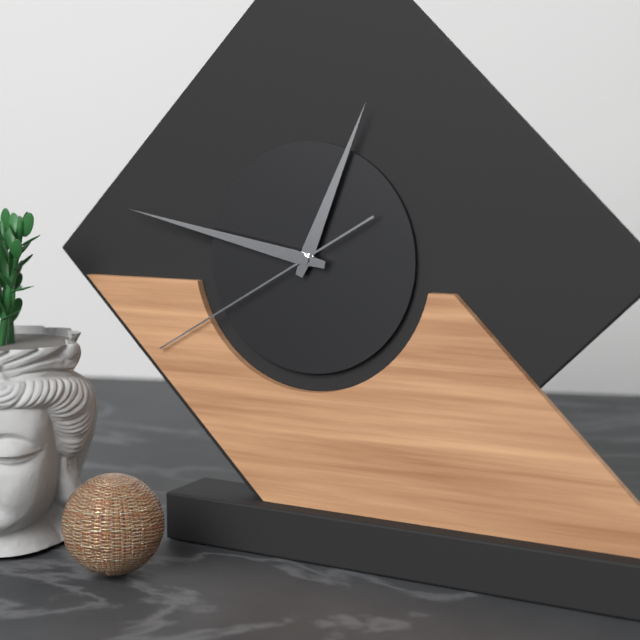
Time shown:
{"hour": 12, "minute": 47, "second": 40}
